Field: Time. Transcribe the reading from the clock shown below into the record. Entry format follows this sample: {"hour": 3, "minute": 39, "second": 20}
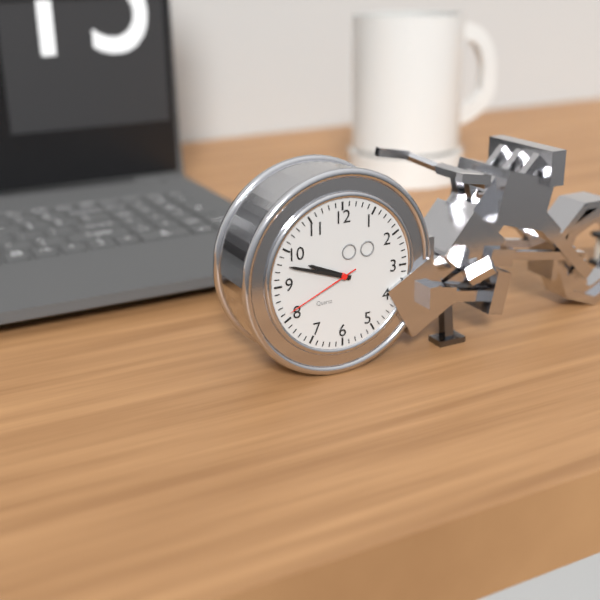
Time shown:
{"hour": 9, "minute": 48, "second": 41}
